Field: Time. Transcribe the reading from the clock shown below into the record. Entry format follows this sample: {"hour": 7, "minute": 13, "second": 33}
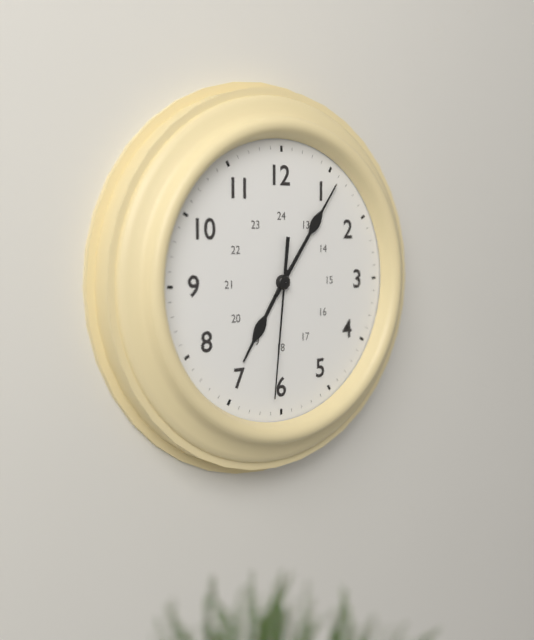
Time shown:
{"hour": 7, "minute": 6, "second": 31}
